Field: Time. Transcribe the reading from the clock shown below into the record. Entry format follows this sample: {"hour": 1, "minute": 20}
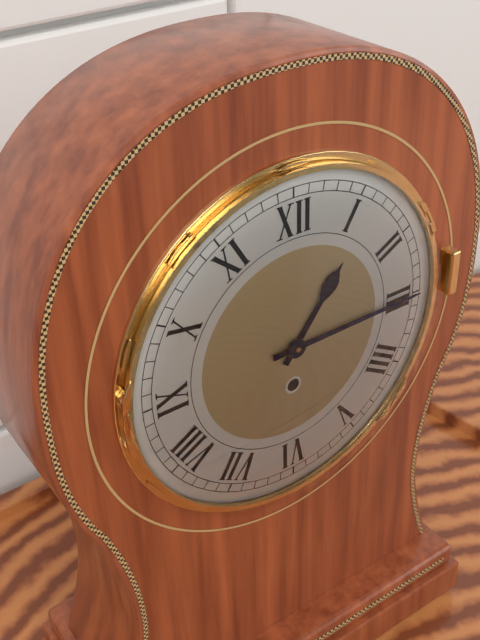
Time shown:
{"hour": 1, "minute": 15}
